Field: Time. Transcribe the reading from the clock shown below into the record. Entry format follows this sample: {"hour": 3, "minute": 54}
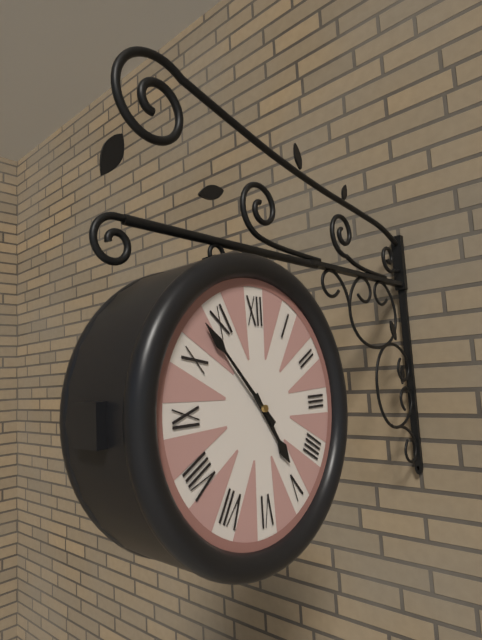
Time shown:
{"hour": 4, "minute": 53}
